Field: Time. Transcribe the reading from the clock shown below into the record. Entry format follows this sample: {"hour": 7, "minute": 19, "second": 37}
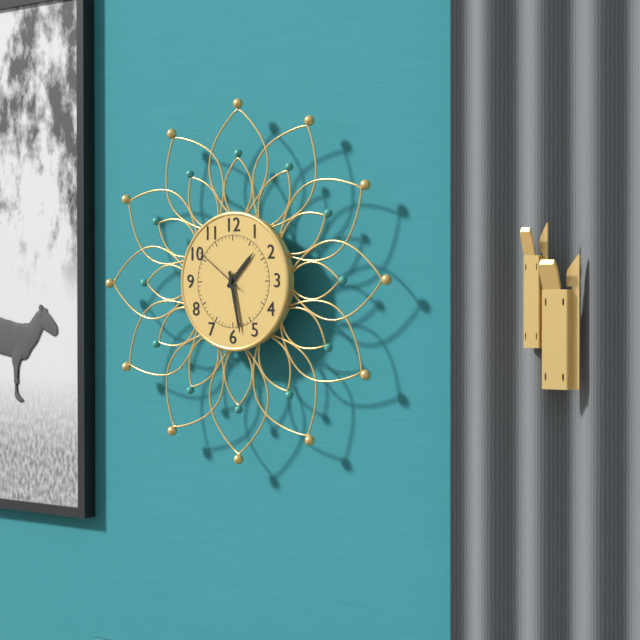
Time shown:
{"hour": 1, "minute": 28, "second": 51}
